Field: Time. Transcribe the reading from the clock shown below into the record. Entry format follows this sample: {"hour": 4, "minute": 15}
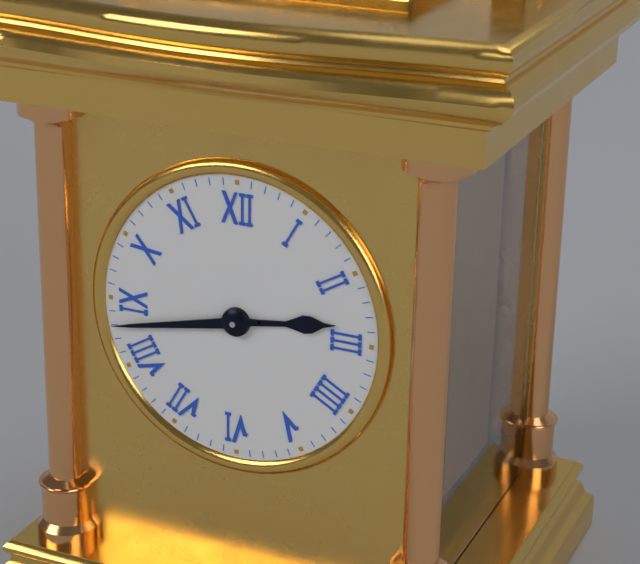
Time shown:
{"hour": 2, "minute": 43}
